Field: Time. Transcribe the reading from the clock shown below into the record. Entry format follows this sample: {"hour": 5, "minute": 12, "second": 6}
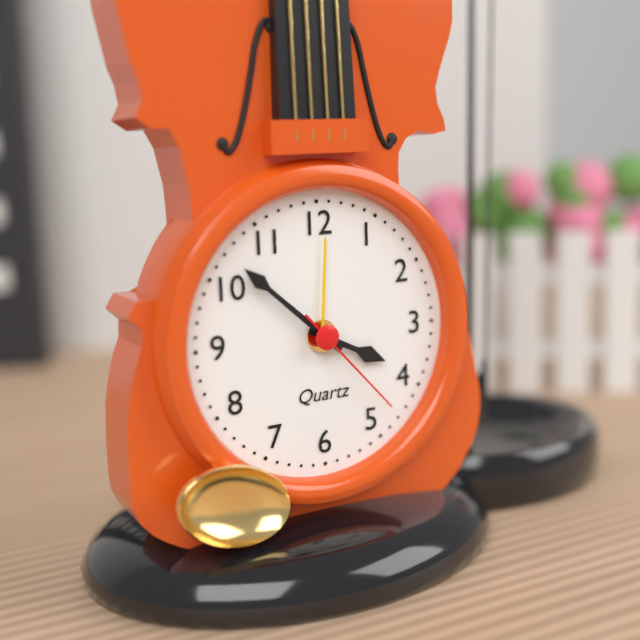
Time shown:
{"hour": 3, "minute": 52, "second": 23}
